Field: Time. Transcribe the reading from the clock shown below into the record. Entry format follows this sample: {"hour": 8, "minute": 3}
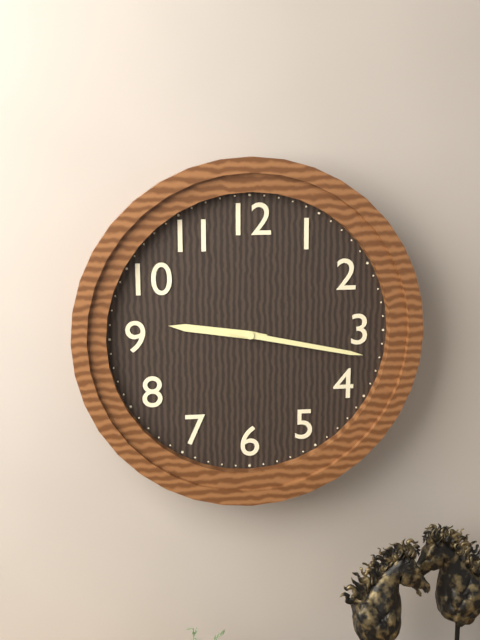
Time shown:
{"hour": 9, "minute": 17}
